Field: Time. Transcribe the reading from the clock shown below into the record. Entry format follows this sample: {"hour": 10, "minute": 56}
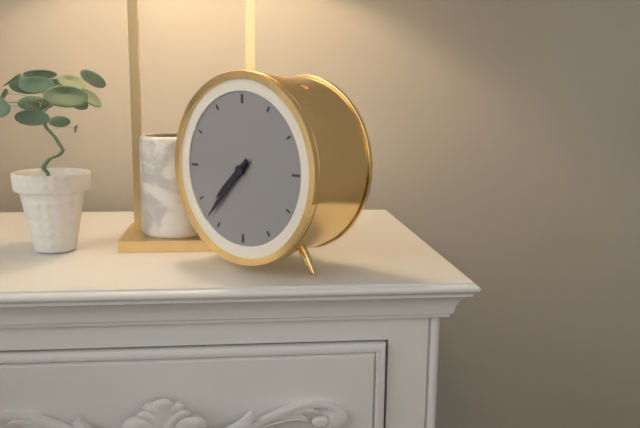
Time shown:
{"hour": 7, "minute": 37}
